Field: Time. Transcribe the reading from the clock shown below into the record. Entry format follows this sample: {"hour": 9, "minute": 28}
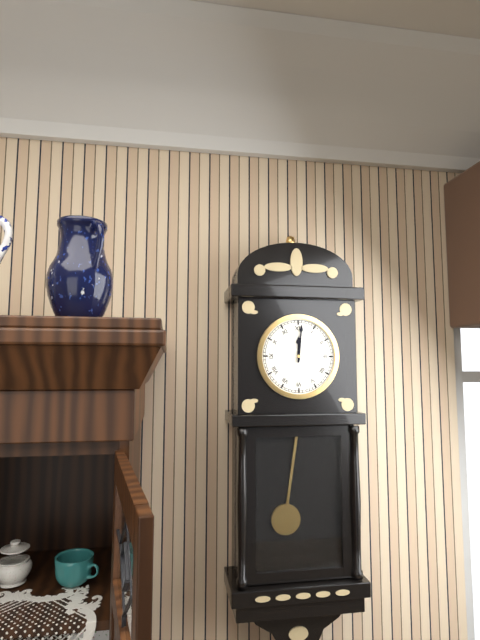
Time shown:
{"hour": 12, "minute": 1}
